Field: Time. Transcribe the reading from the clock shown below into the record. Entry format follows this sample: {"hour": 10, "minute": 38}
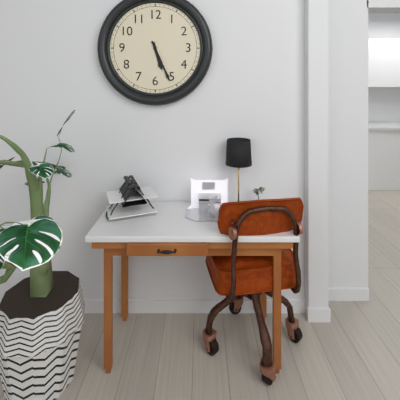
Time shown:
{"hour": 5, "minute": 26}
